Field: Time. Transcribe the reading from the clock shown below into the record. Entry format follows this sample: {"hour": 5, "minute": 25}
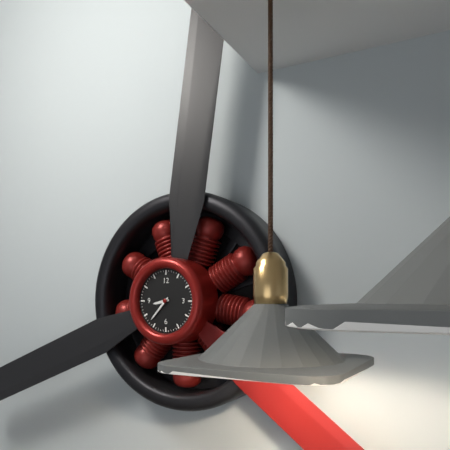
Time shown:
{"hour": 8, "minute": 37}
